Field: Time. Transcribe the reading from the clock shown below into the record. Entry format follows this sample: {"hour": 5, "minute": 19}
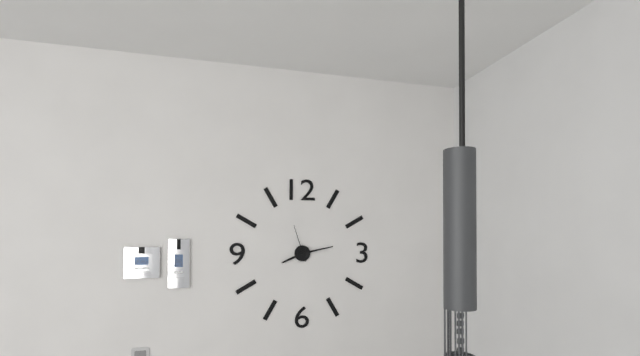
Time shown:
{"hour": 8, "minute": 13}
